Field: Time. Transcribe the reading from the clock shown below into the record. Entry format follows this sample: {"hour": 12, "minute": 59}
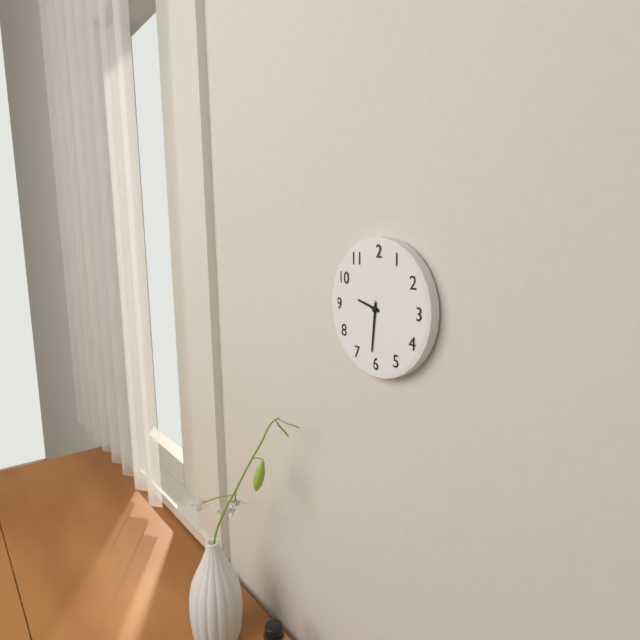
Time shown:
{"hour": 9, "minute": 31}
